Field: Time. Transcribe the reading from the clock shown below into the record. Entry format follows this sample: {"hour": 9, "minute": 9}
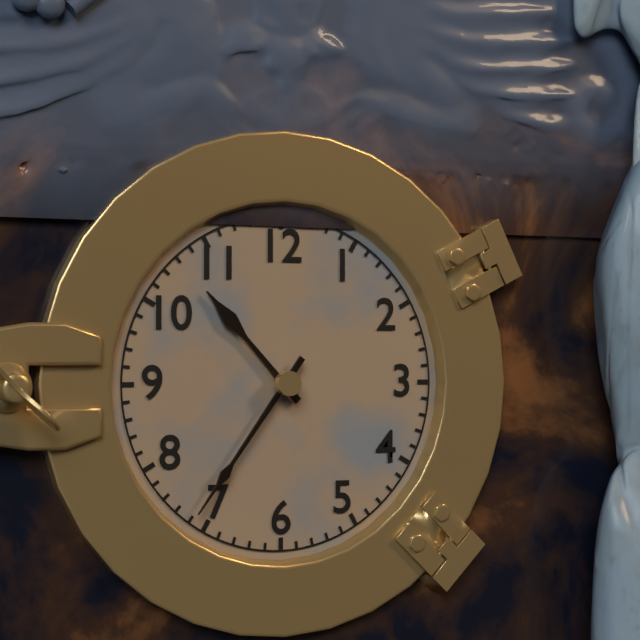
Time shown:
{"hour": 10, "minute": 36}
